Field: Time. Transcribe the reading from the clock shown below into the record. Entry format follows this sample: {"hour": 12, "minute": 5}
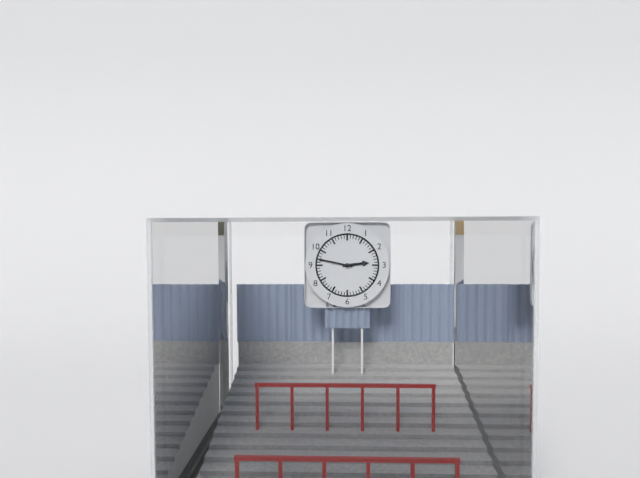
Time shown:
{"hour": 2, "minute": 47}
